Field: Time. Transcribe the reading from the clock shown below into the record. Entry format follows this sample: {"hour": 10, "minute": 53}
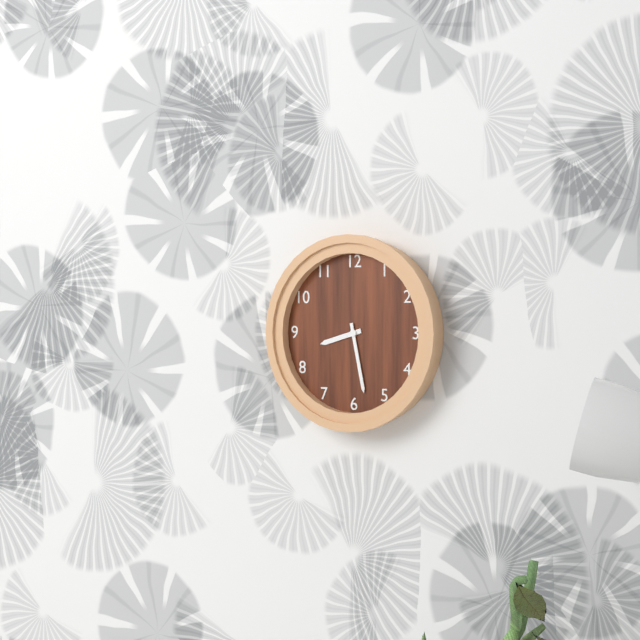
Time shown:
{"hour": 8, "minute": 28}
